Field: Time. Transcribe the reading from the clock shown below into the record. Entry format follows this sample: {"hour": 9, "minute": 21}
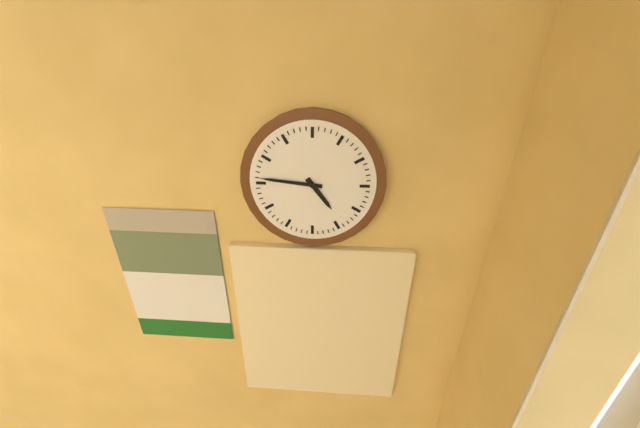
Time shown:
{"hour": 4, "minute": 46}
